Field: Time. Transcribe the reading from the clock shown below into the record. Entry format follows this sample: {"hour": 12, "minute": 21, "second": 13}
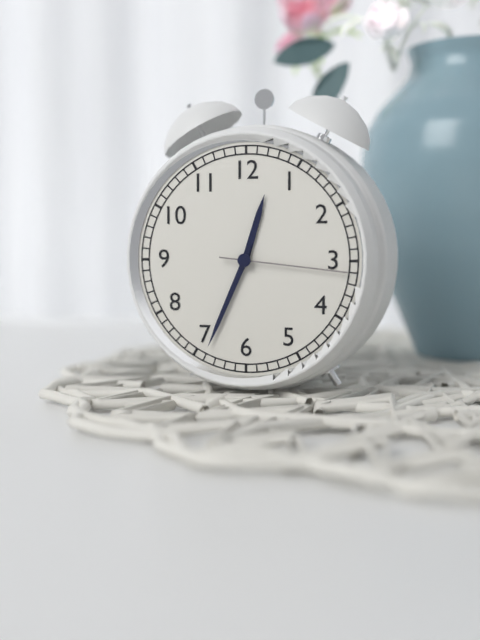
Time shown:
{"hour": 12, "minute": 34, "second": 16}
